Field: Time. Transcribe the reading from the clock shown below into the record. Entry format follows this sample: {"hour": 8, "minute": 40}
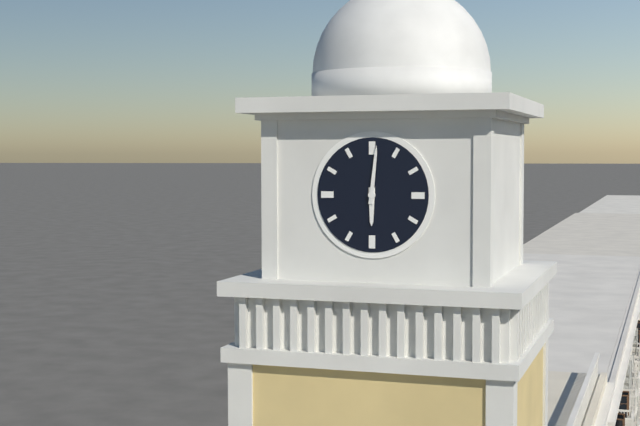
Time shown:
{"hour": 6, "minute": 1}
